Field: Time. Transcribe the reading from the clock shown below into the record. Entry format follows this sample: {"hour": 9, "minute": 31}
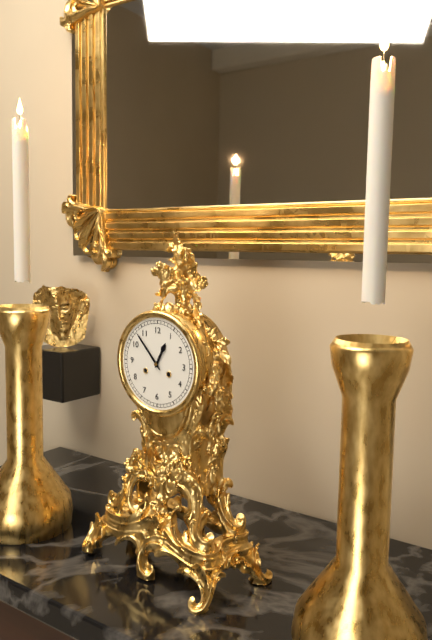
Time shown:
{"hour": 12, "minute": 53}
